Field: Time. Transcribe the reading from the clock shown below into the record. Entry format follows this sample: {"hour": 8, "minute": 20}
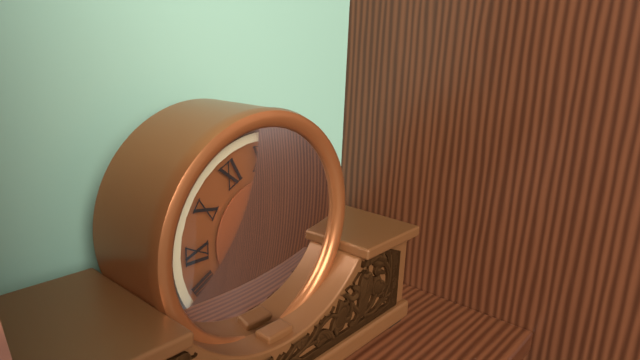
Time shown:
{"hour": 4, "minute": 5}
